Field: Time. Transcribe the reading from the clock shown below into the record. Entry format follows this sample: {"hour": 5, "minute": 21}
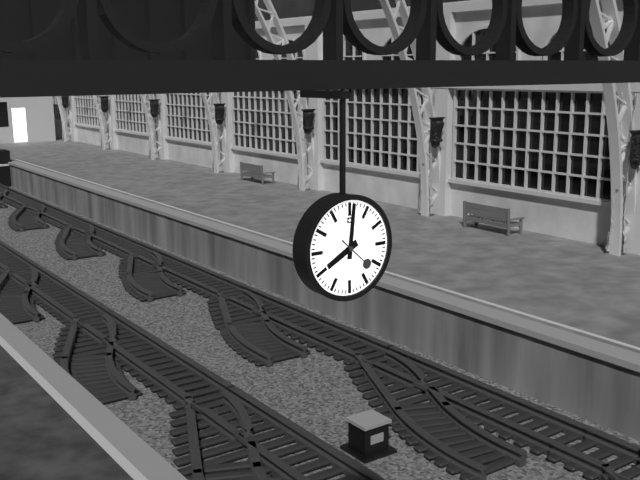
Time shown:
{"hour": 8, "minute": 1}
